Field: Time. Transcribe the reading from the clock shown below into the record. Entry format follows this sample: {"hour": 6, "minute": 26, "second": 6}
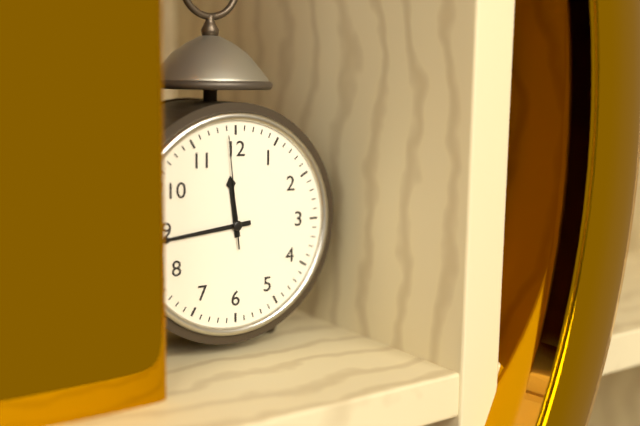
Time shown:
{"hour": 11, "minute": 44, "second": 59}
